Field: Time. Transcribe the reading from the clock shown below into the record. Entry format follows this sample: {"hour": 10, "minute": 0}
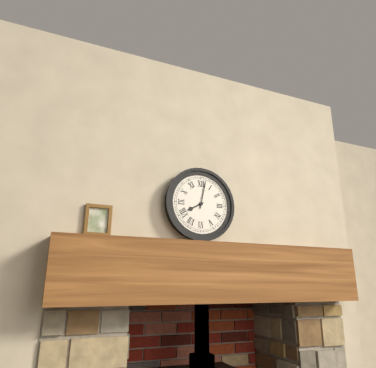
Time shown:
{"hour": 8, "minute": 2}
